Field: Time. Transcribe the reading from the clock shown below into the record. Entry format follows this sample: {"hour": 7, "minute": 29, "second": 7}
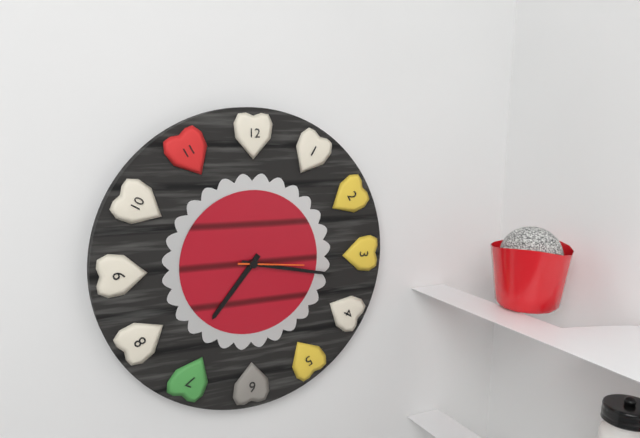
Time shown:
{"hour": 7, "minute": 17, "second": 16}
